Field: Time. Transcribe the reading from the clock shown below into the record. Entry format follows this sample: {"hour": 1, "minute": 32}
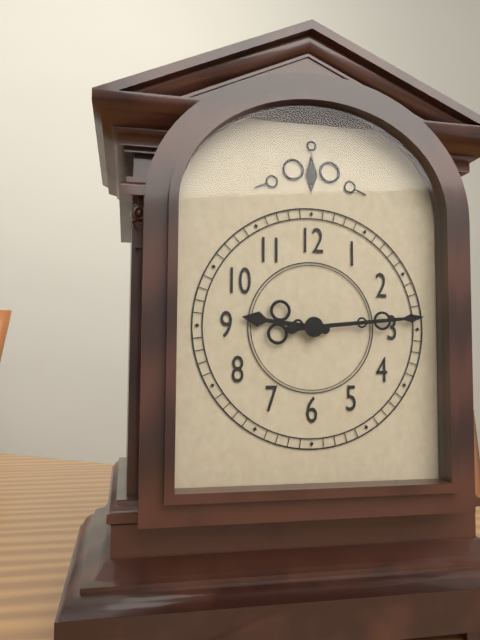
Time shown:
{"hour": 9, "minute": 14}
